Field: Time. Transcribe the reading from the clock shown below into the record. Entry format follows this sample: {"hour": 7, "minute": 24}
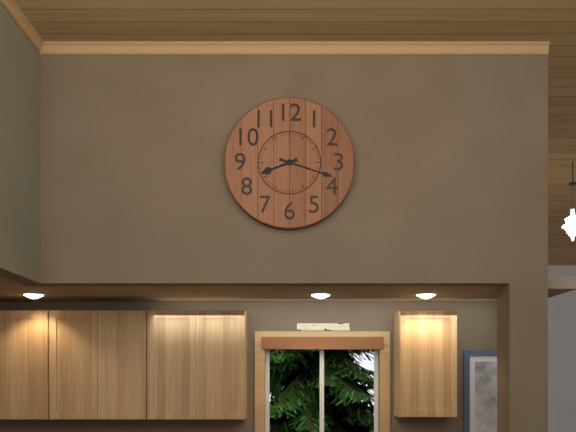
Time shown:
{"hour": 8, "minute": 18}
